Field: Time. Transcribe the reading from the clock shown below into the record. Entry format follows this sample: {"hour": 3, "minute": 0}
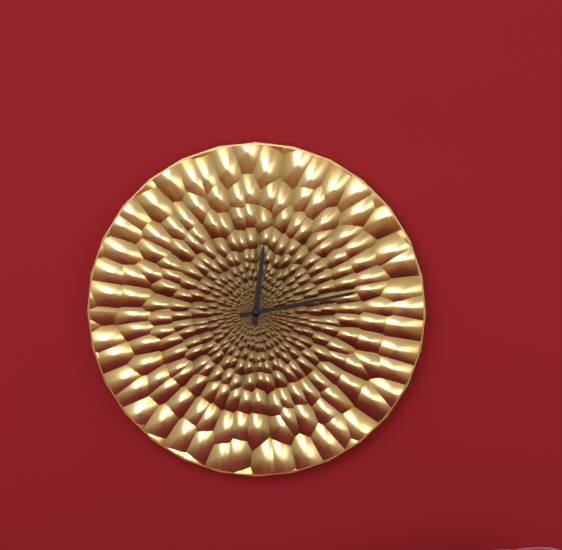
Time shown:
{"hour": 12, "minute": 13}
